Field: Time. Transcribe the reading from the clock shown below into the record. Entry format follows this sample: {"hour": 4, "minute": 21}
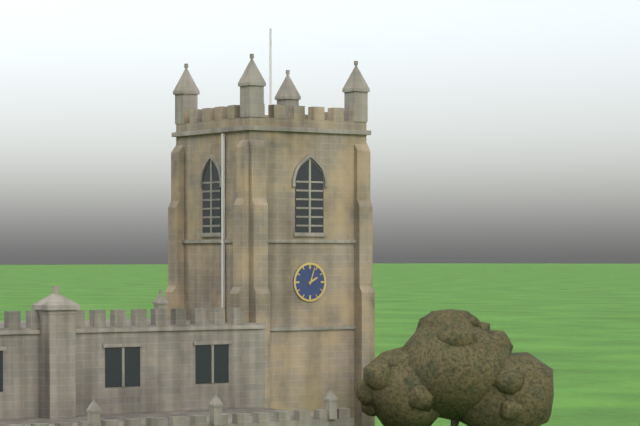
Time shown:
{"hour": 2, "minute": 3}
